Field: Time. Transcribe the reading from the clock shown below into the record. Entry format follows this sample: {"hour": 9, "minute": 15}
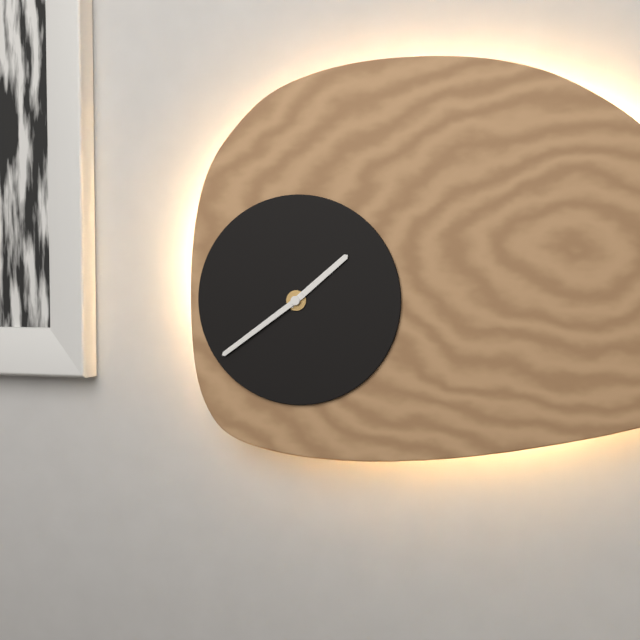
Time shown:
{"hour": 1, "minute": 39}
